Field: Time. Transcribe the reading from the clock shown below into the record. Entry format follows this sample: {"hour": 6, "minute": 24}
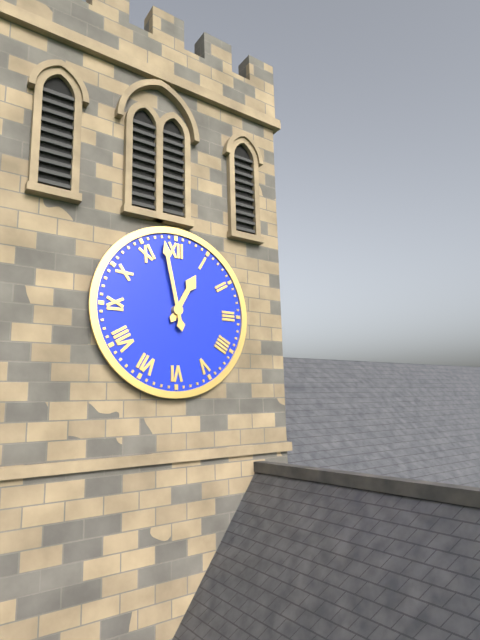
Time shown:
{"hour": 12, "minute": 58}
